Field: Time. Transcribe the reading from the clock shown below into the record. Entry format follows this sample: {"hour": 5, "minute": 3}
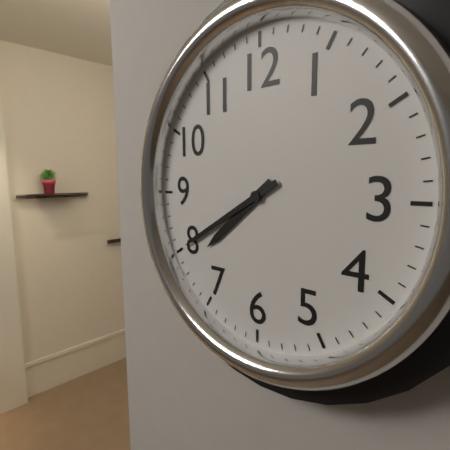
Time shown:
{"hour": 7, "minute": 40}
